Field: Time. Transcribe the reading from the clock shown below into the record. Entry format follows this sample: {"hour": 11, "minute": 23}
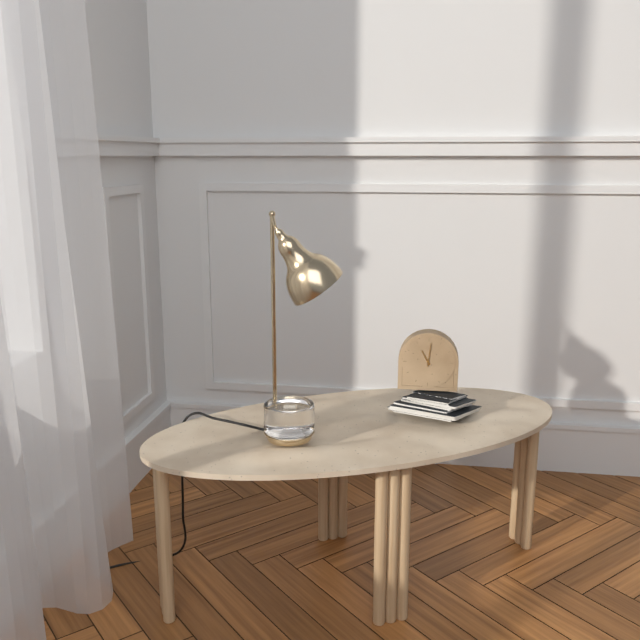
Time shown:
{"hour": 11, "minute": 1}
